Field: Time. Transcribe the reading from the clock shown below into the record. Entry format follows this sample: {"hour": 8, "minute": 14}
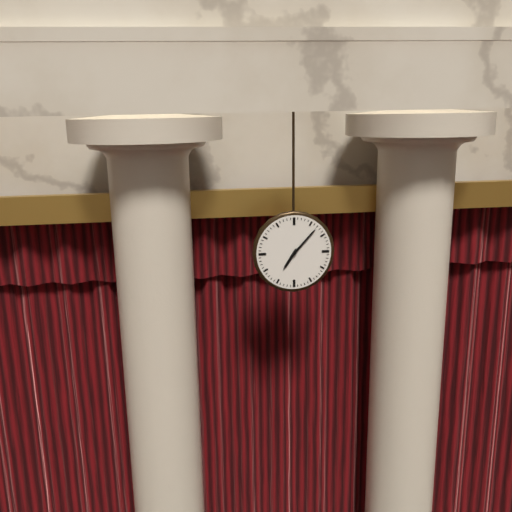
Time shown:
{"hour": 7, "minute": 7}
